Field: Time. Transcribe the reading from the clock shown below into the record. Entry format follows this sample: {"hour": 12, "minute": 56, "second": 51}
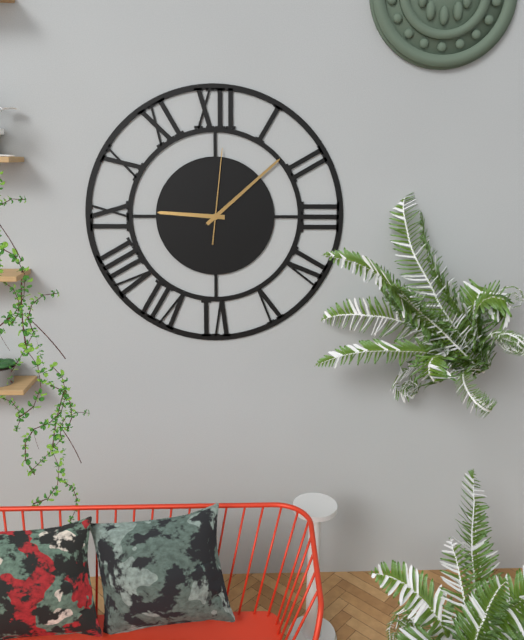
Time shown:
{"hour": 9, "minute": 8, "second": 1}
